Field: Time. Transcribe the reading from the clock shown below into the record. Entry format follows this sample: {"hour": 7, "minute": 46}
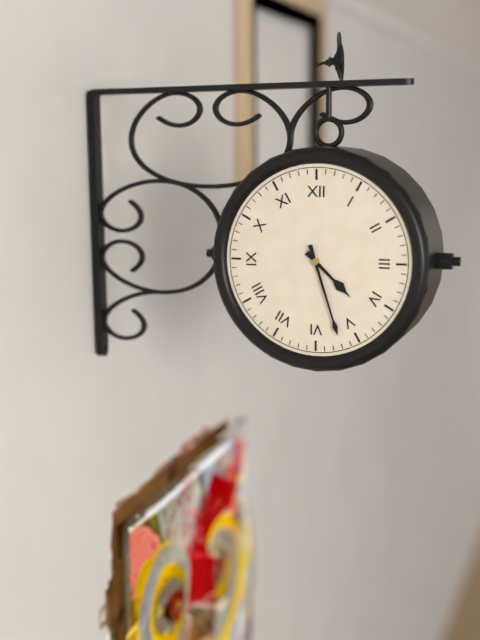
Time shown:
{"hour": 4, "minute": 27}
